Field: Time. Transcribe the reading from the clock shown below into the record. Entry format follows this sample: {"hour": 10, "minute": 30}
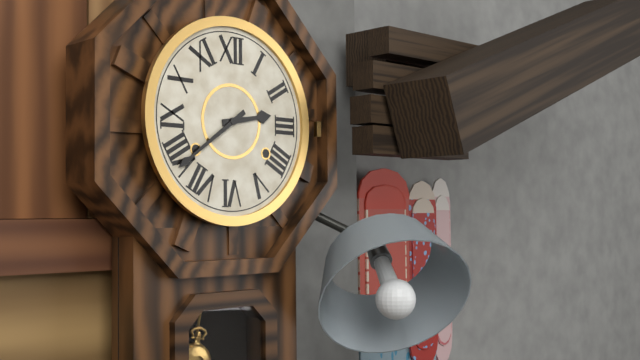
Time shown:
{"hour": 2, "minute": 39}
